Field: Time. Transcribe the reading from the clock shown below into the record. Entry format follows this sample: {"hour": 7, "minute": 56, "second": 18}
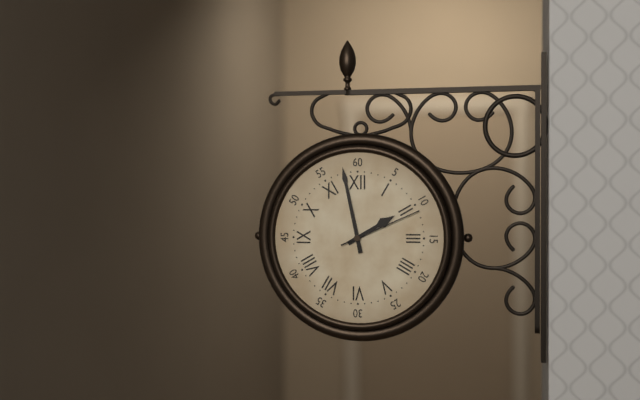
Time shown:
{"hour": 1, "minute": 58, "second": 11}
